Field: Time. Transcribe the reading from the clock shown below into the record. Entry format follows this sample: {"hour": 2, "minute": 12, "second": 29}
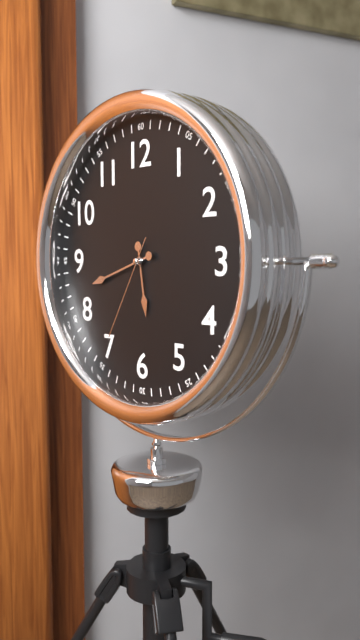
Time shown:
{"hour": 5, "minute": 42, "second": 35}
